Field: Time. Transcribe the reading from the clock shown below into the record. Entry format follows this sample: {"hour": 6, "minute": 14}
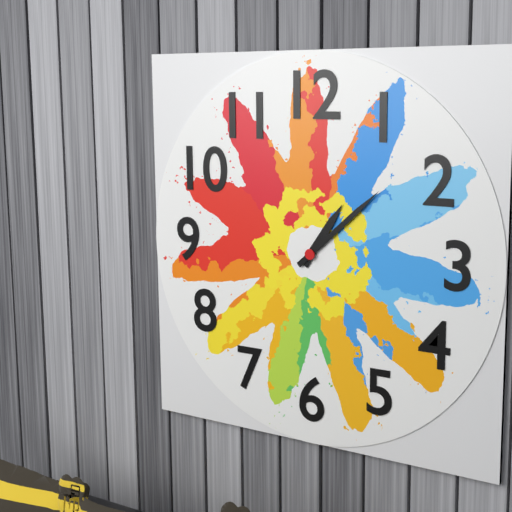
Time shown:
{"hour": 1, "minute": 8}
